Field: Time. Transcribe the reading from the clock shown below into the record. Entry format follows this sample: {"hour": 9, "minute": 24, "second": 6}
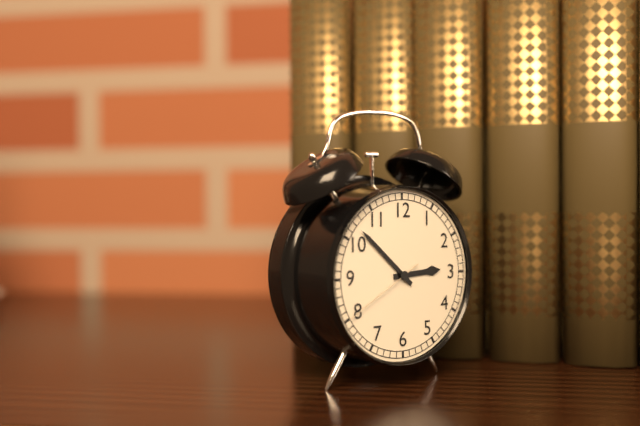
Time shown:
{"hour": 2, "minute": 52, "second": 40}
